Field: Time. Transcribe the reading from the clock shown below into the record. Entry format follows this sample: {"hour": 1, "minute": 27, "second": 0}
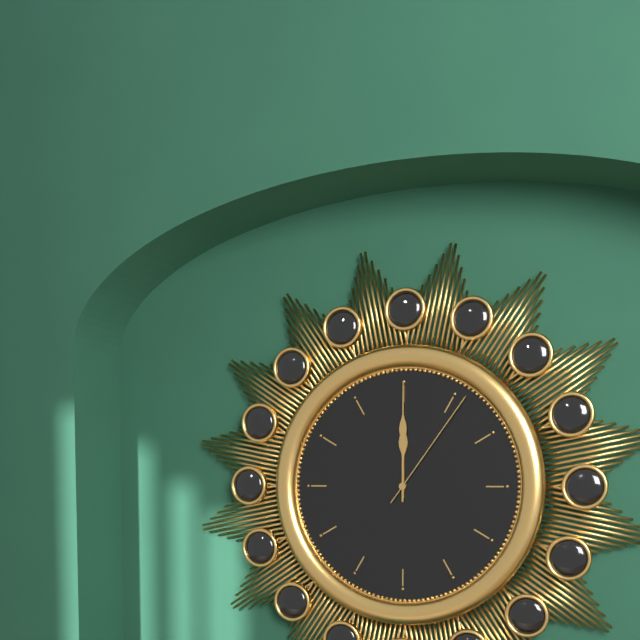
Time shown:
{"hour": 12, "minute": 0, "second": 6}
